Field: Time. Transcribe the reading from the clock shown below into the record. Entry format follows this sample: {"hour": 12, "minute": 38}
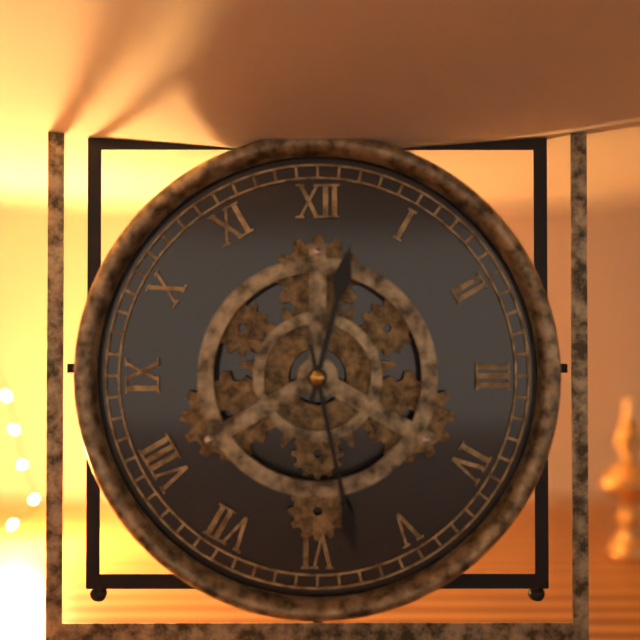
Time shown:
{"hour": 12, "minute": 28}
